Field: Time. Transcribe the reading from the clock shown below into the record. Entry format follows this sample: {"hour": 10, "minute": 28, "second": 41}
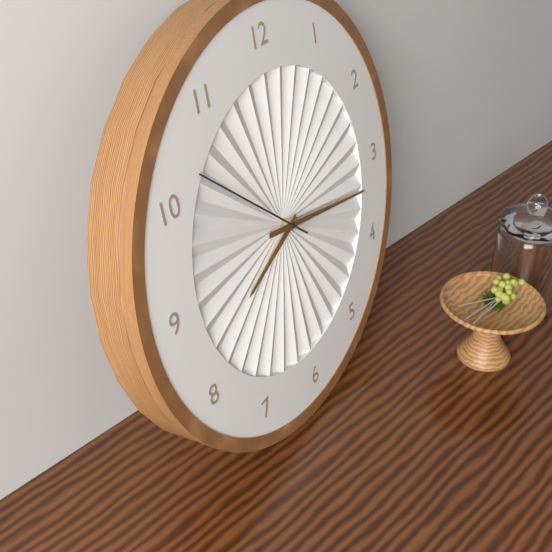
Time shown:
{"hour": 8, "minute": 17, "second": 52}
